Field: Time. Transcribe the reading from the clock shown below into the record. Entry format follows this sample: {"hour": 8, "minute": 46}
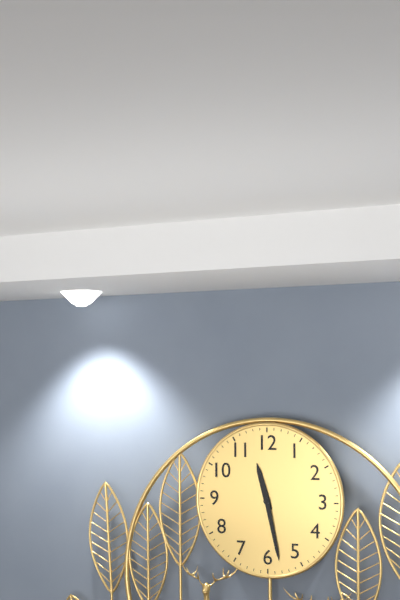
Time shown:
{"hour": 11, "minute": 28}
